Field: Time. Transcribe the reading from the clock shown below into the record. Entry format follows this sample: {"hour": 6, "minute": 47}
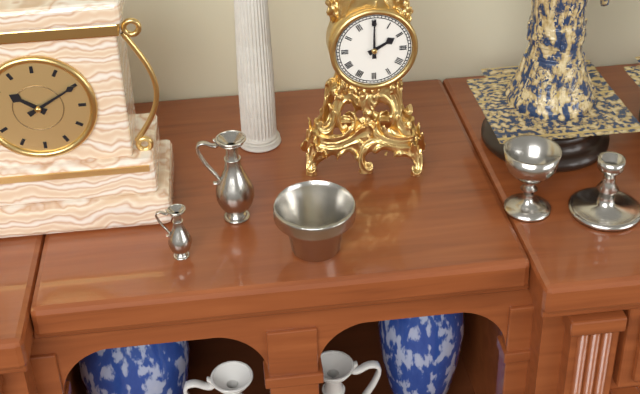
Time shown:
{"hour": 2, "minute": 0}
